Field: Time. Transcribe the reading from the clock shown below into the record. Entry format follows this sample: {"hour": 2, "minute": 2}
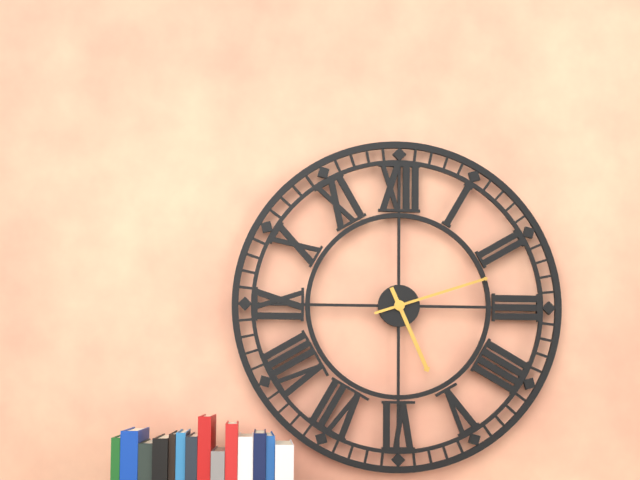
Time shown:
{"hour": 5, "minute": 12}
